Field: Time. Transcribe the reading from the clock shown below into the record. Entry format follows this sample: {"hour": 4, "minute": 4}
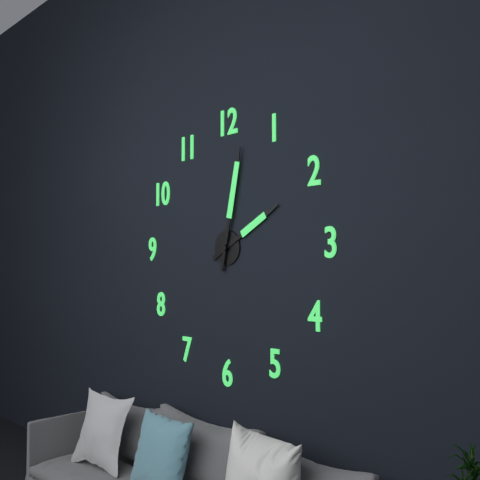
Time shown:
{"hour": 2, "minute": 2}
